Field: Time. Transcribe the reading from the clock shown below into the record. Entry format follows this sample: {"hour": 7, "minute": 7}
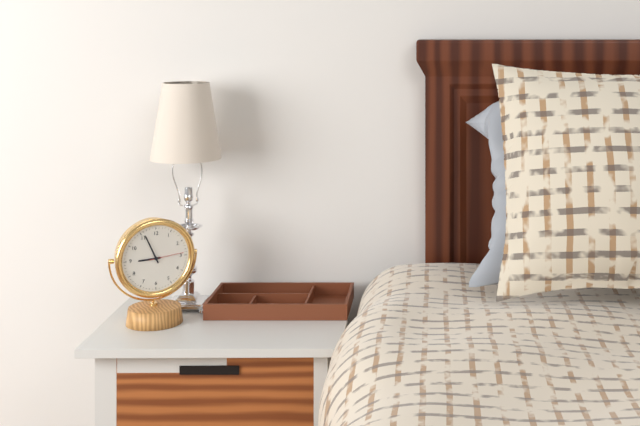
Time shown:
{"hour": 8, "minute": 56}
